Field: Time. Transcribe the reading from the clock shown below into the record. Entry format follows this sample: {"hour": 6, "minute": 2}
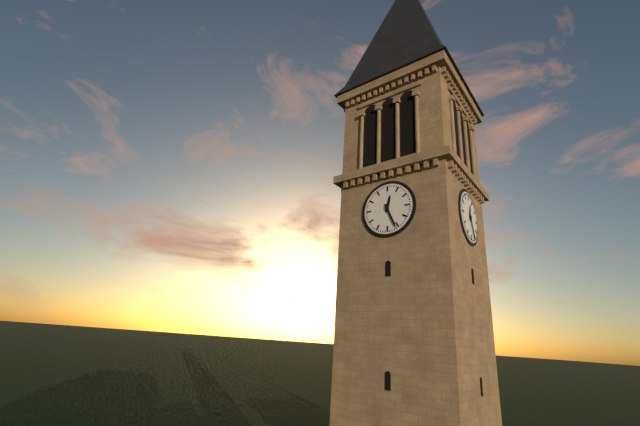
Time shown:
{"hour": 12, "minute": 26}
